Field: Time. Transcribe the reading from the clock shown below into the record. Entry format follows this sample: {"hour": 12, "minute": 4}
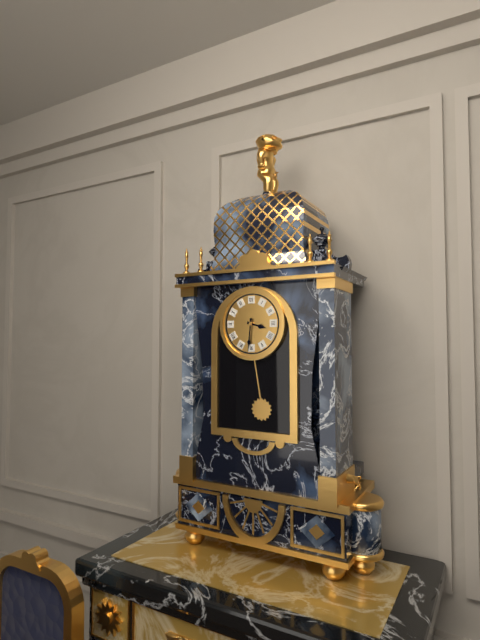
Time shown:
{"hour": 3, "minute": 31}
